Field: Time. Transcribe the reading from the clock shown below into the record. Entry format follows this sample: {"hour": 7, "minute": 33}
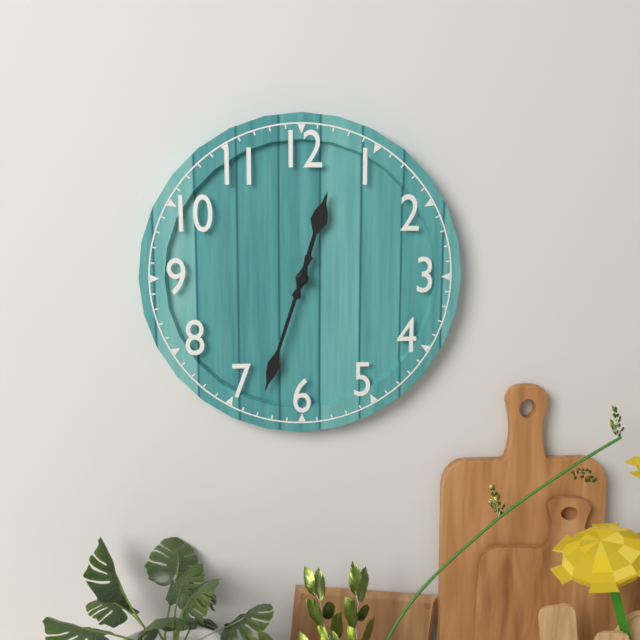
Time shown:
{"hour": 12, "minute": 33}
